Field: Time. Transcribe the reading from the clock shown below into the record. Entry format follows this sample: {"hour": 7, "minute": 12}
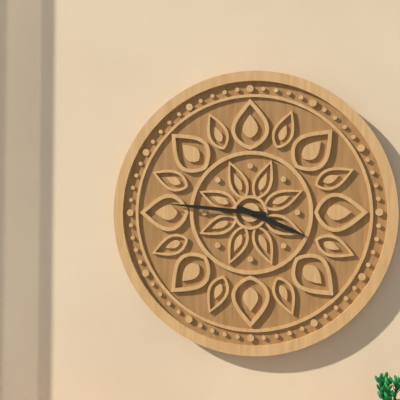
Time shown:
{"hour": 3, "minute": 46}
